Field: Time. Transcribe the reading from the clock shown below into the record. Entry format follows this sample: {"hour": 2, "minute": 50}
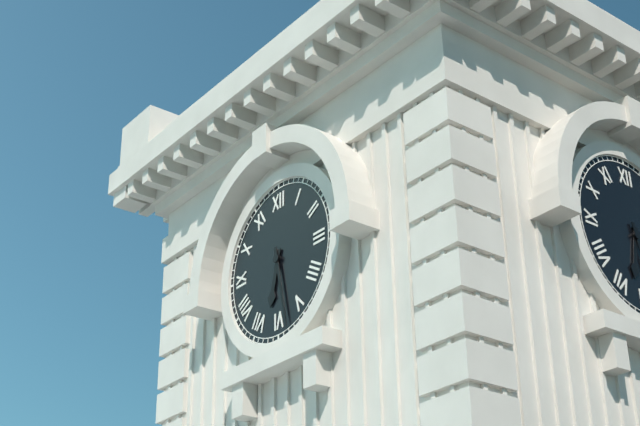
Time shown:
{"hour": 6, "minute": 28}
